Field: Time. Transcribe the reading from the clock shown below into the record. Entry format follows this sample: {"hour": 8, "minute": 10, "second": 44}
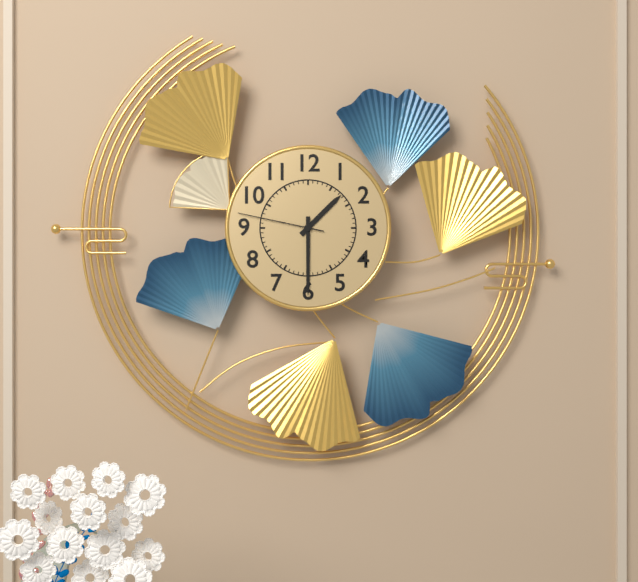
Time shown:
{"hour": 1, "minute": 30, "second": 47}
